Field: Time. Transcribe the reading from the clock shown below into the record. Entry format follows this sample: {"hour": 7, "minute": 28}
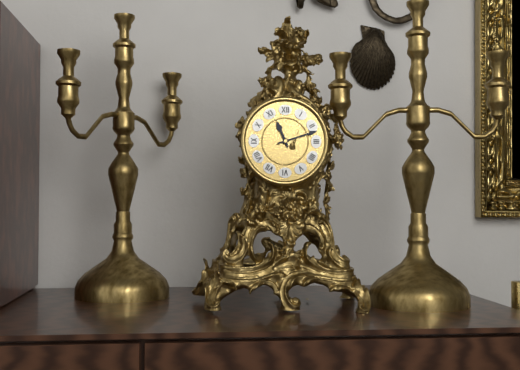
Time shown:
{"hour": 11, "minute": 12}
